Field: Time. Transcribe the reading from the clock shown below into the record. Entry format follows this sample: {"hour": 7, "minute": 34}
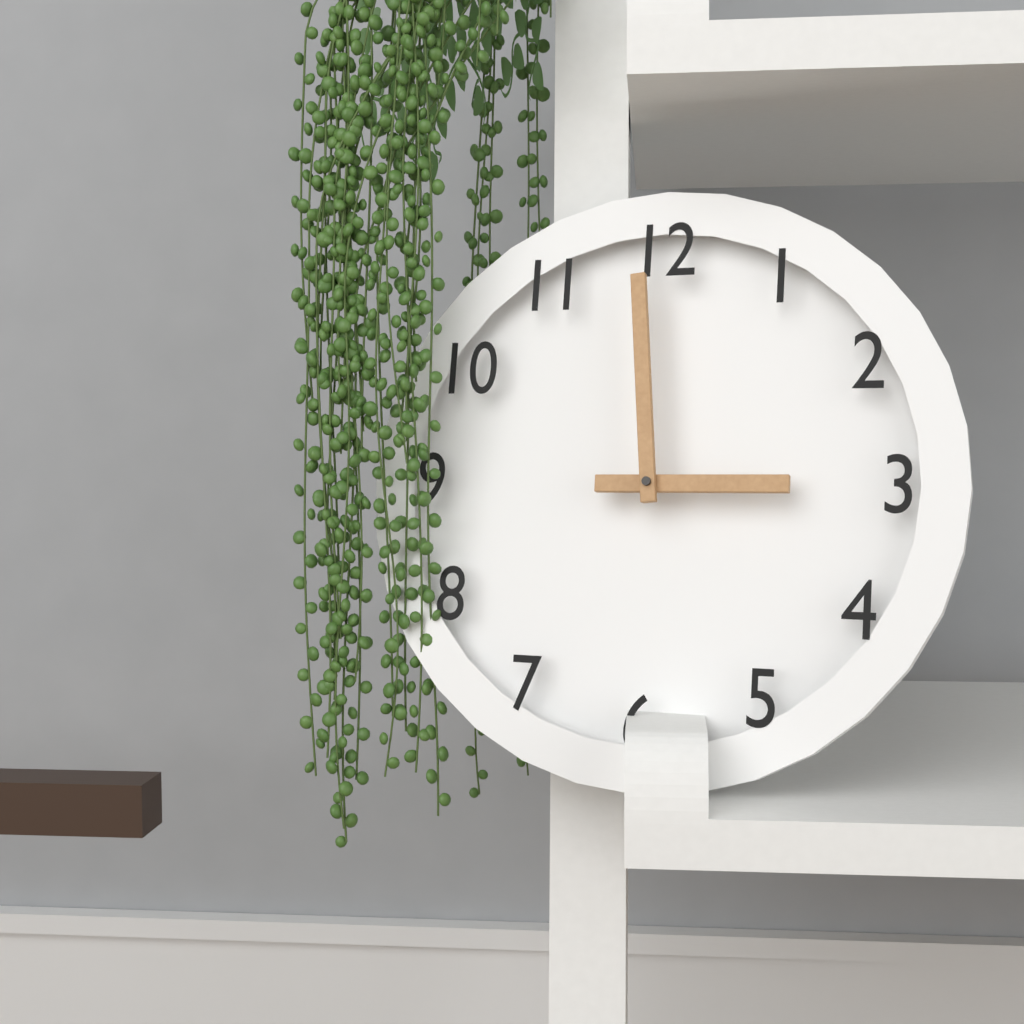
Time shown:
{"hour": 2, "minute": 59}
